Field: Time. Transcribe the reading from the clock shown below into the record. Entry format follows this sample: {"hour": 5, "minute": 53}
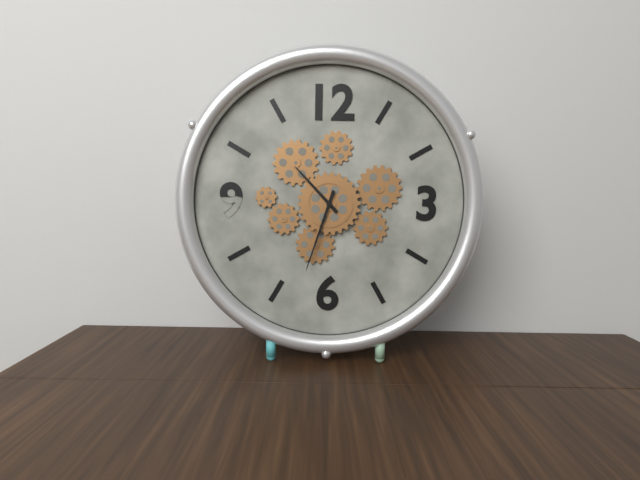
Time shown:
{"hour": 10, "minute": 33}
